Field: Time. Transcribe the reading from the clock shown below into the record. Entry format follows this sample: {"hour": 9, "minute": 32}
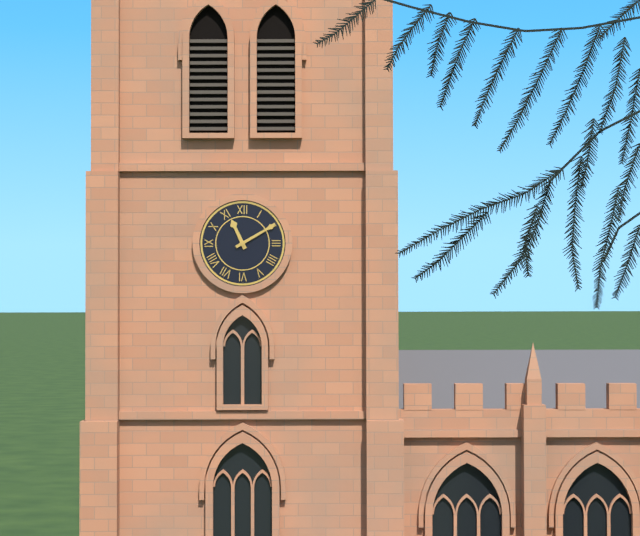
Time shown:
{"hour": 11, "minute": 10}
